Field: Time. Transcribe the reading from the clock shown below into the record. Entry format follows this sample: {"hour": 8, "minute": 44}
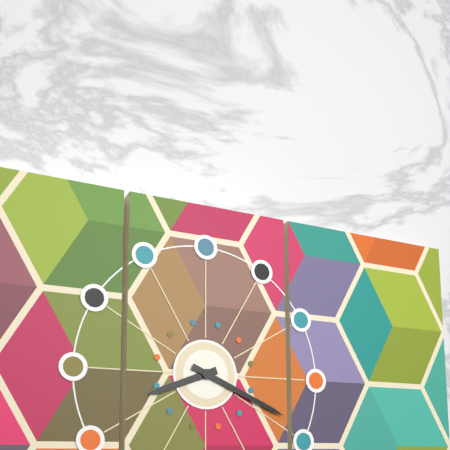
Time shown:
{"hour": 8, "minute": 19}
